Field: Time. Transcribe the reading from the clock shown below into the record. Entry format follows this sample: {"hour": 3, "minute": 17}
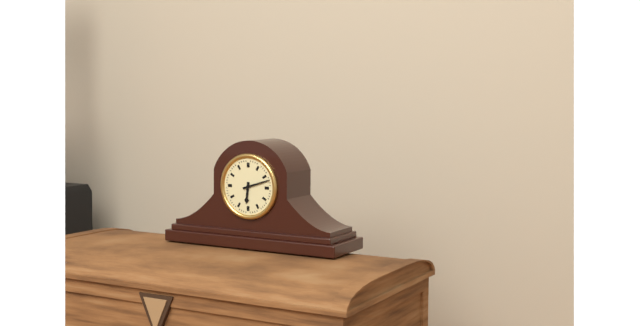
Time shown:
{"hour": 6, "minute": 12}
